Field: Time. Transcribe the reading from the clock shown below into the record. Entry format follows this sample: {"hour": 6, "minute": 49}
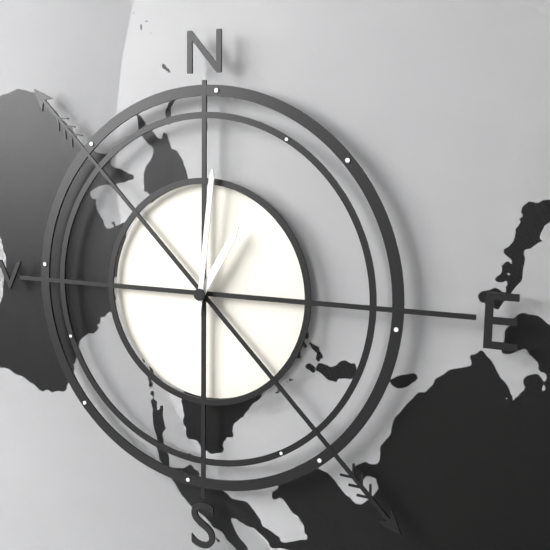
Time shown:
{"hour": 1, "minute": 1}
